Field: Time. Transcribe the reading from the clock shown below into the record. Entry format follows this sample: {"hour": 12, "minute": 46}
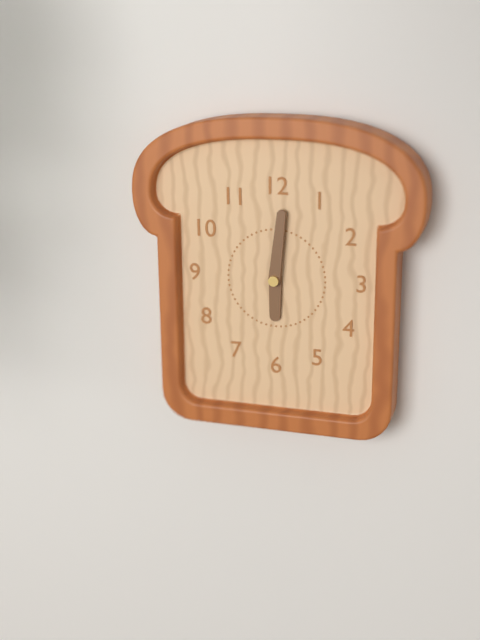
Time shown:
{"hour": 6, "minute": 1}
